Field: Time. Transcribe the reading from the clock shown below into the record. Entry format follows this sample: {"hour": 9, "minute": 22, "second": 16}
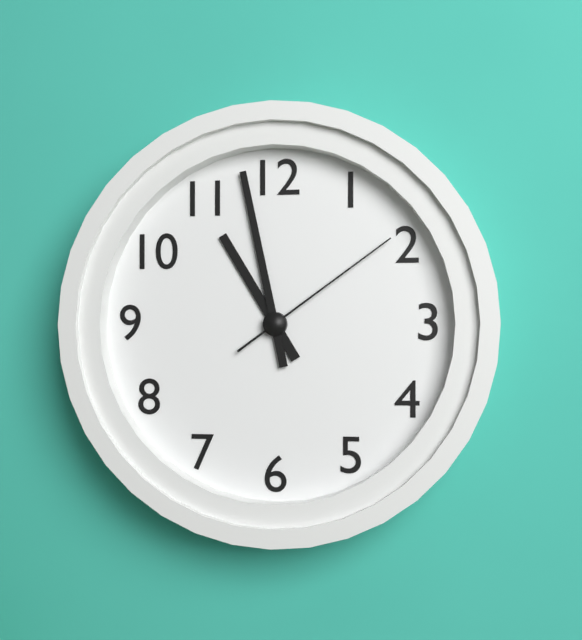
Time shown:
{"hour": 10, "minute": 58, "second": 9}
